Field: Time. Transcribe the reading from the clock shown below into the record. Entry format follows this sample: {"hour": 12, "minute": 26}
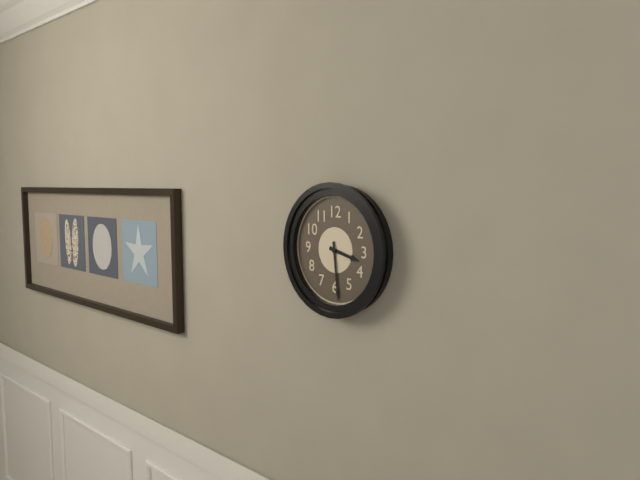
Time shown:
{"hour": 3, "minute": 29}
